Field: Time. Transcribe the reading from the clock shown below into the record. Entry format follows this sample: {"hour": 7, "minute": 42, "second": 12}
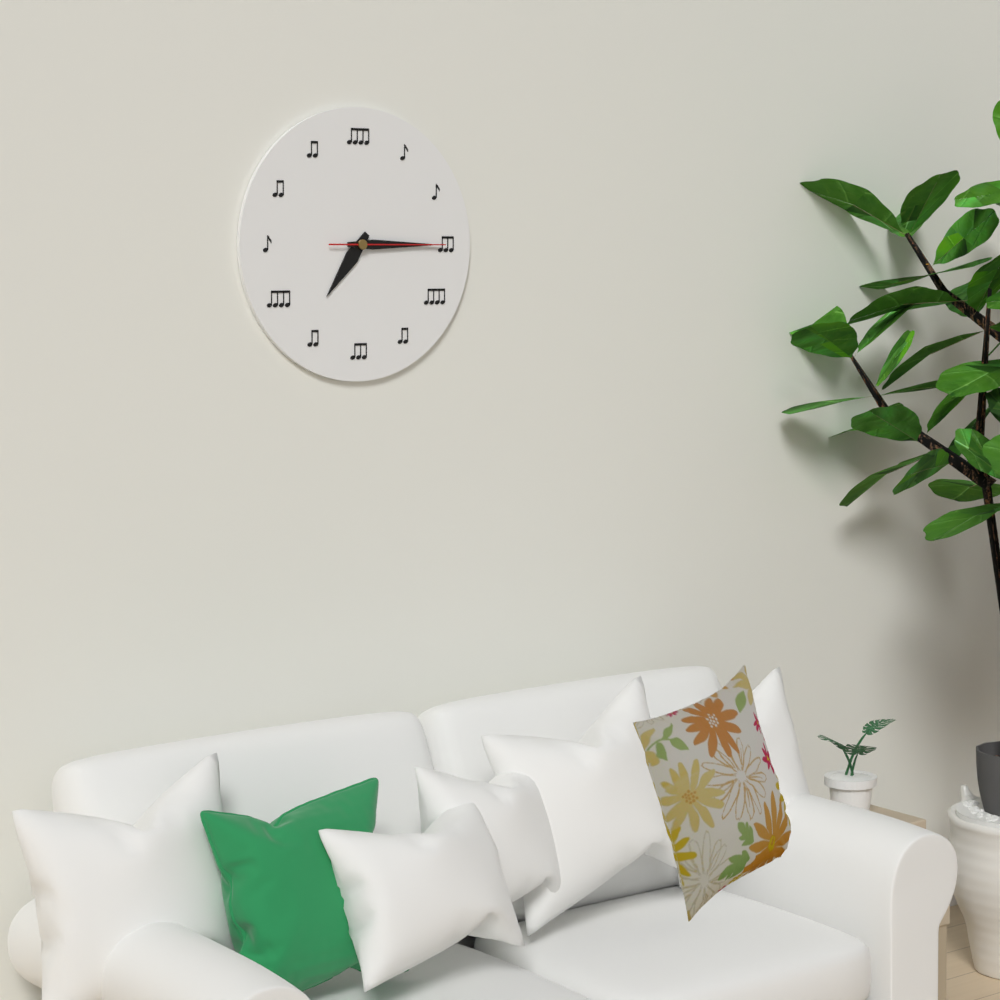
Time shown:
{"hour": 7, "minute": 15, "second": 15}
